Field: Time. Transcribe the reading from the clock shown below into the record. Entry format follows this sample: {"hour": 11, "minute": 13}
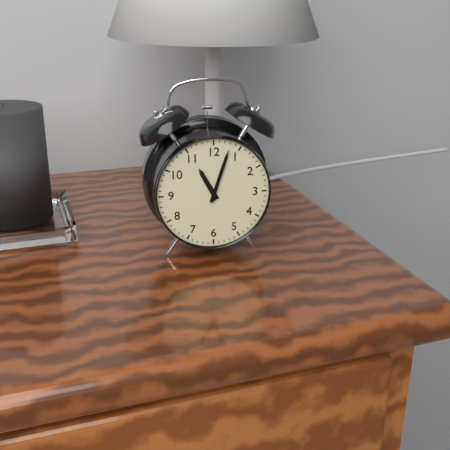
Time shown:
{"hour": 11, "minute": 3}
